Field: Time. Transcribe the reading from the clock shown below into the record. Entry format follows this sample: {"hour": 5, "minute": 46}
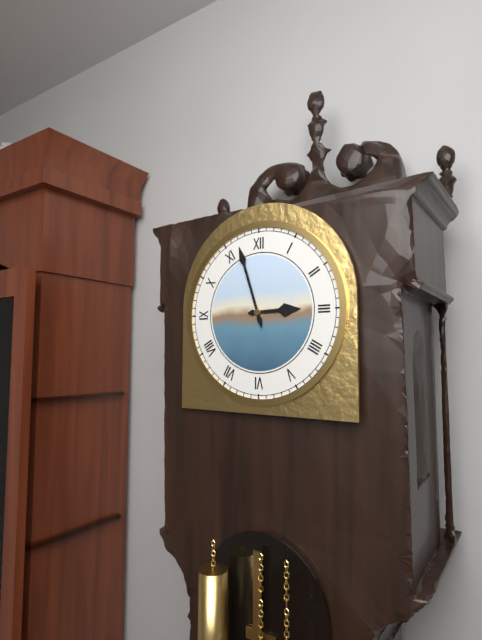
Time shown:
{"hour": 2, "minute": 57}
